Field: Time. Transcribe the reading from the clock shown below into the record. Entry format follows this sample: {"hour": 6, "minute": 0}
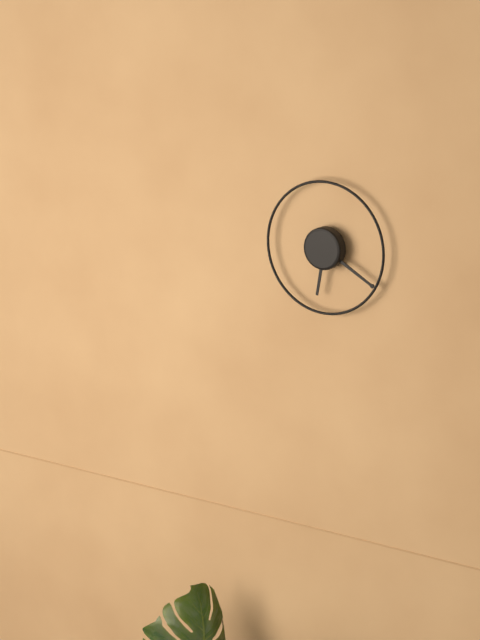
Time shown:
{"hour": 6, "minute": 20}
